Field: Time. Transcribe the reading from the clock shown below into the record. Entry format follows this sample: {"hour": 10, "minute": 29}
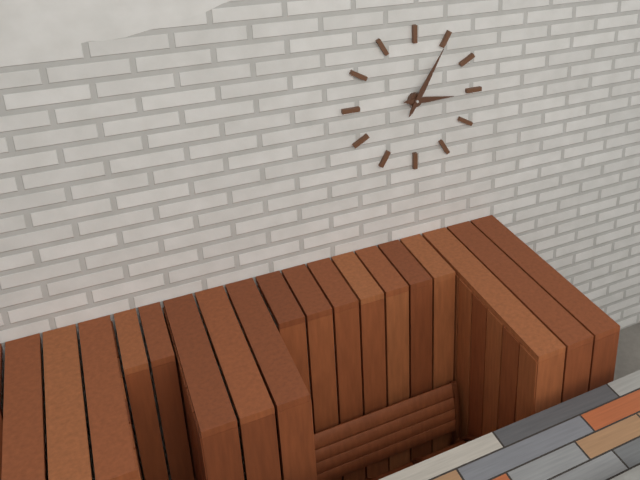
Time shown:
{"hour": 3, "minute": 5}
